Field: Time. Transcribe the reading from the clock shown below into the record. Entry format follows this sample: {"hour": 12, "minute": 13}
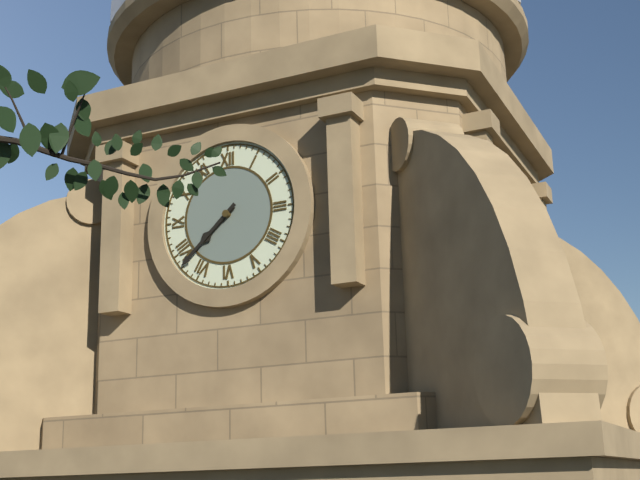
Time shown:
{"hour": 7, "minute": 38}
